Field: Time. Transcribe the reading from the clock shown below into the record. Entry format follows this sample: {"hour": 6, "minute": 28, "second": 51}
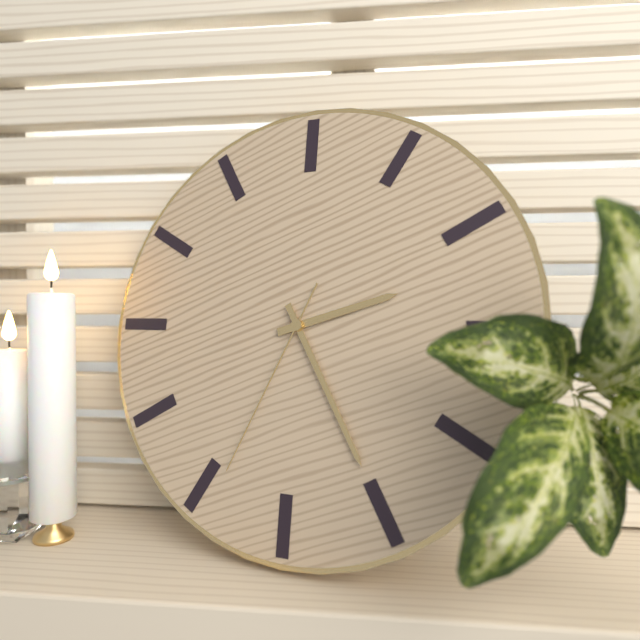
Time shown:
{"hour": 2, "minute": 25, "second": 34}
